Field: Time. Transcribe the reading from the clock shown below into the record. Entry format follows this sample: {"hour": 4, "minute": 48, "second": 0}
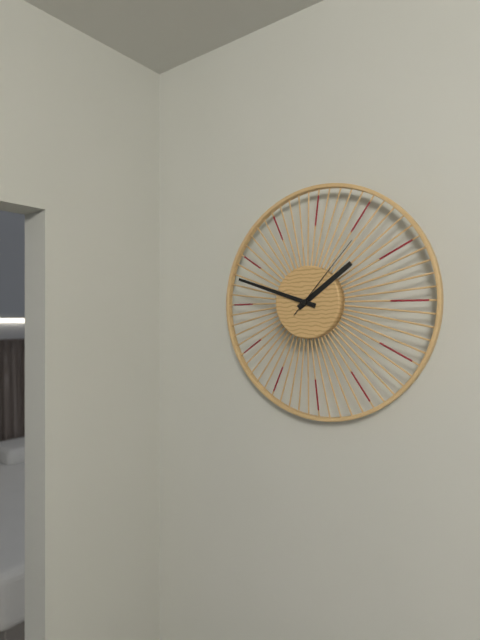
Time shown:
{"hour": 1, "minute": 48, "second": 7}
